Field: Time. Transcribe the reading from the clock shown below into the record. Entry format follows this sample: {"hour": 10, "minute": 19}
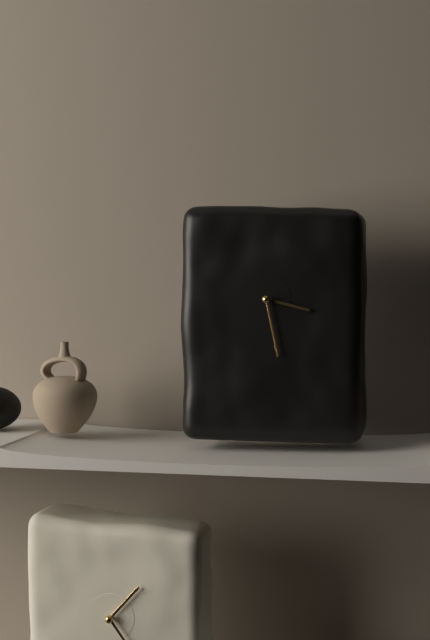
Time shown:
{"hour": 3, "minute": 28}
